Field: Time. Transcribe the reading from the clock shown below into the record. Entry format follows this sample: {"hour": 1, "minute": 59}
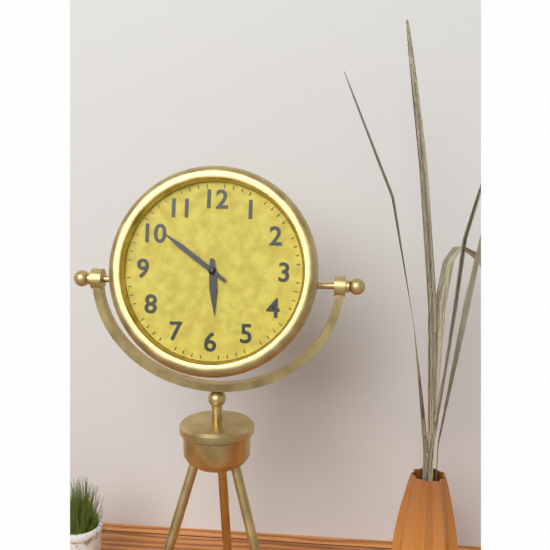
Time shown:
{"hour": 5, "minute": 51}
